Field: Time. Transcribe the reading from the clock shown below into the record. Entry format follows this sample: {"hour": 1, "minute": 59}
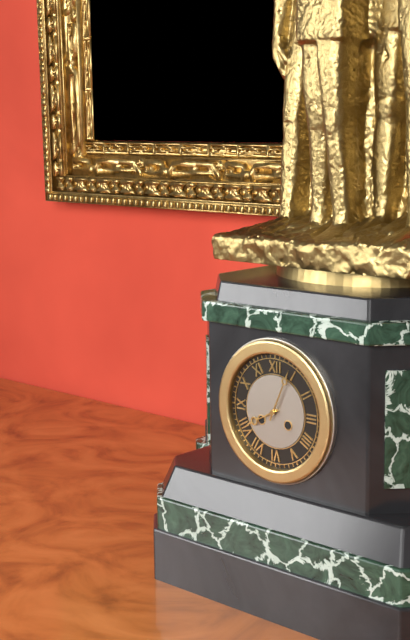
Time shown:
{"hour": 8, "minute": 4}
